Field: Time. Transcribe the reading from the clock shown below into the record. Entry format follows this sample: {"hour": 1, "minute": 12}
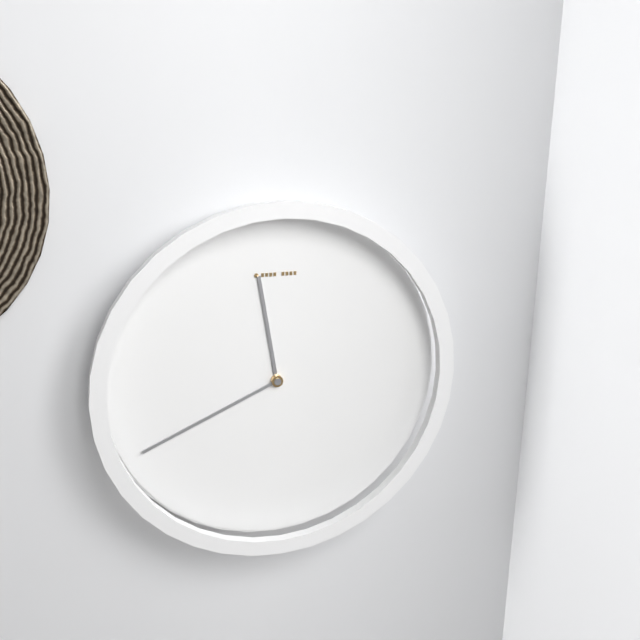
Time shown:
{"hour": 11, "minute": 41}
